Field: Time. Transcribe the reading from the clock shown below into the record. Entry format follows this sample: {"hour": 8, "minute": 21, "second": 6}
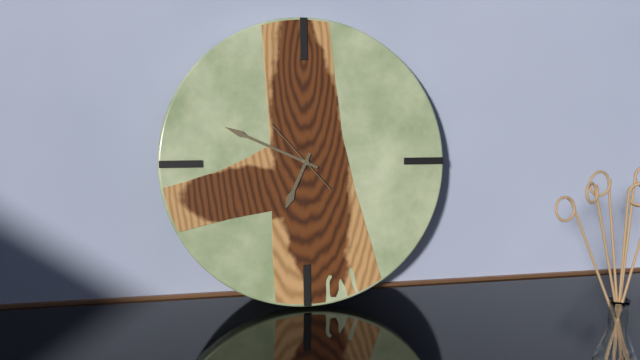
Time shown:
{"hour": 6, "minute": 49, "second": 53}
